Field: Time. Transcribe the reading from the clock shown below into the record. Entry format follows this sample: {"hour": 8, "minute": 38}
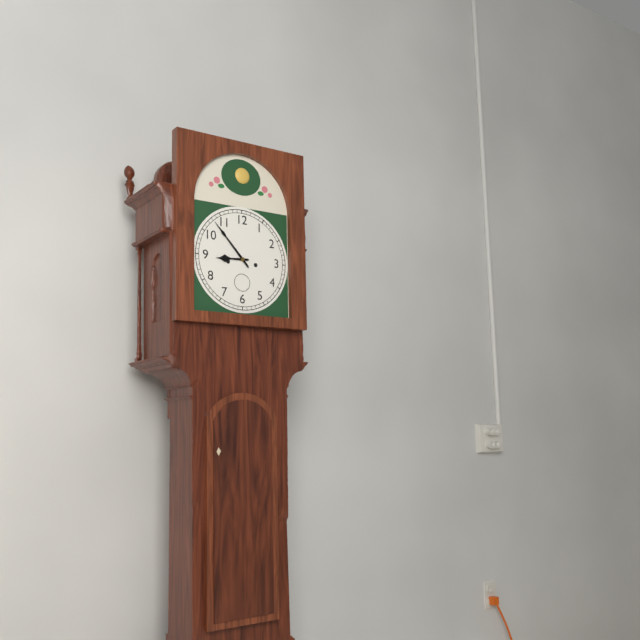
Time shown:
{"hour": 8, "minute": 53}
